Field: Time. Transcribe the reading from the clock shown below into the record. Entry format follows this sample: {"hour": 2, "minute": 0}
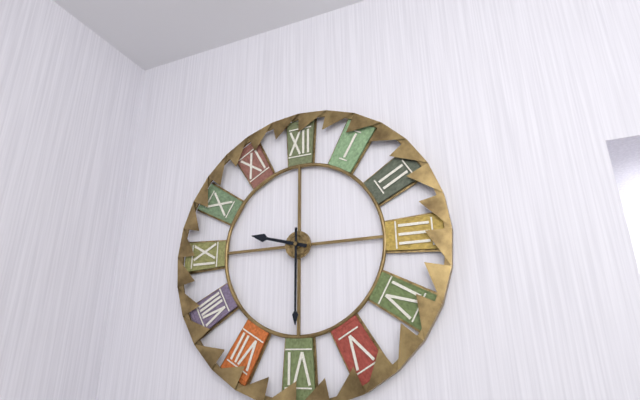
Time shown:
{"hour": 9, "minute": 30}
